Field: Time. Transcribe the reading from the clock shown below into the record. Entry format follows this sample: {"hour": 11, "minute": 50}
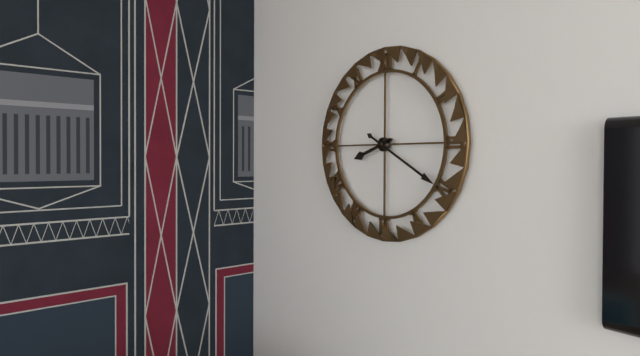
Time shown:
{"hour": 8, "minute": 20}
